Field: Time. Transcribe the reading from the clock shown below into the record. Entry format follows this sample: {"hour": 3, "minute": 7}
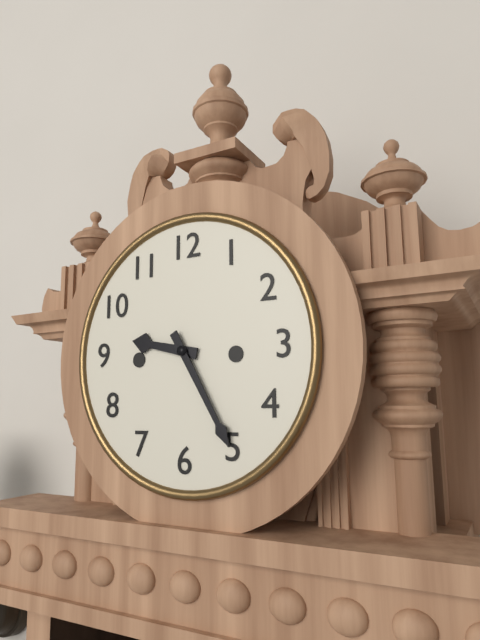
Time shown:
{"hour": 9, "minute": 25}
